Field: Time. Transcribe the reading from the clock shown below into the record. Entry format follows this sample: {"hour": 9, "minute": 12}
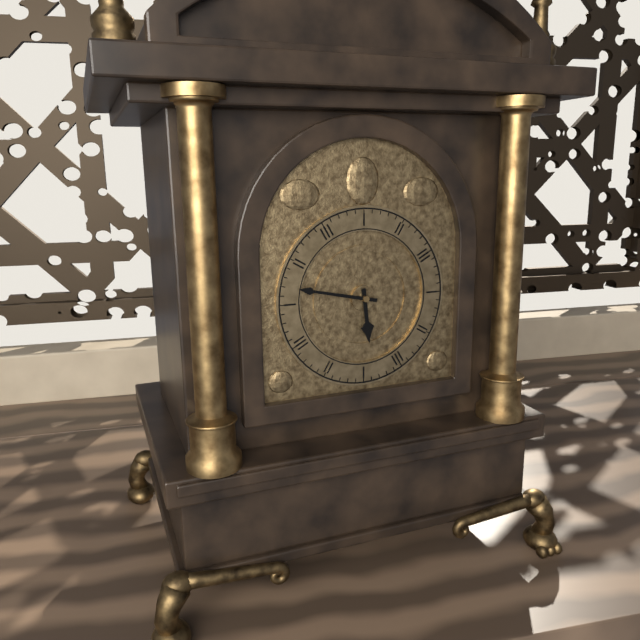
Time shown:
{"hour": 5, "minute": 47}
